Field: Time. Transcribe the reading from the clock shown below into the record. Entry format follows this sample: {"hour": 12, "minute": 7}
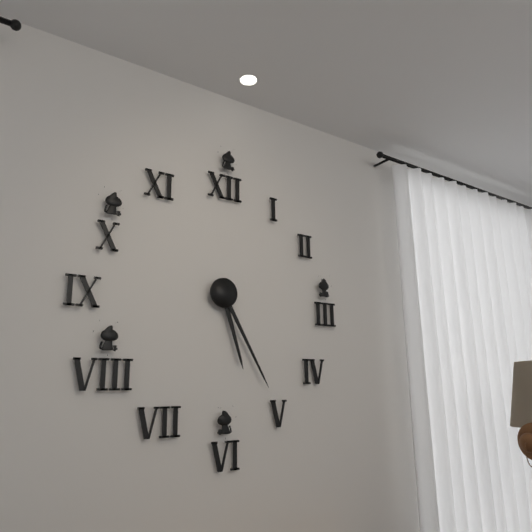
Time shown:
{"hour": 5, "minute": 25}
